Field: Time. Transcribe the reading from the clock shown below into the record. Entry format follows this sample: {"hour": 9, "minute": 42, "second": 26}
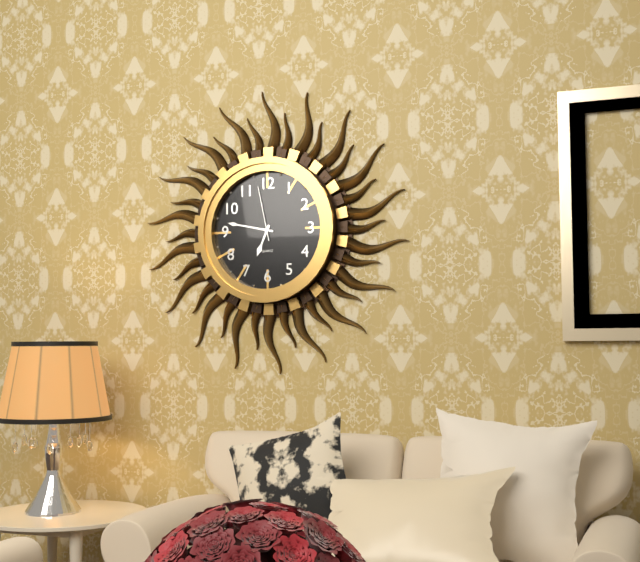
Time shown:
{"hour": 6, "minute": 47, "second": 58}
